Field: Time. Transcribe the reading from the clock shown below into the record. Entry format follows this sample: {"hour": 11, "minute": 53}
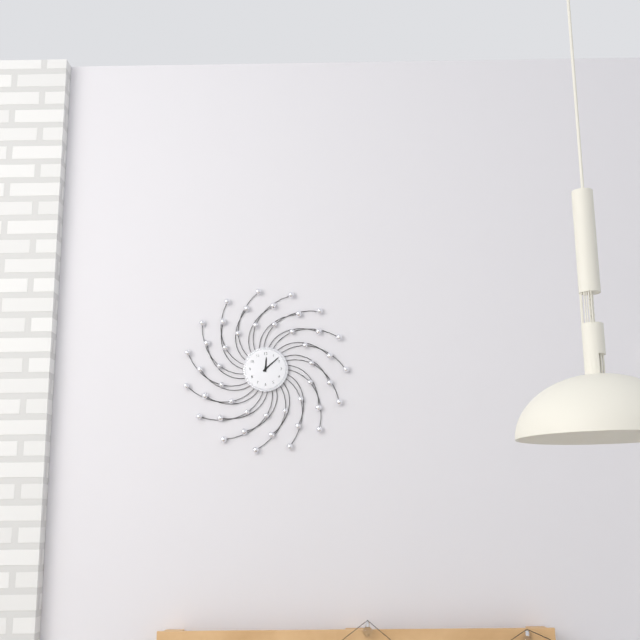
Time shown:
{"hour": 12, "minute": 8}
